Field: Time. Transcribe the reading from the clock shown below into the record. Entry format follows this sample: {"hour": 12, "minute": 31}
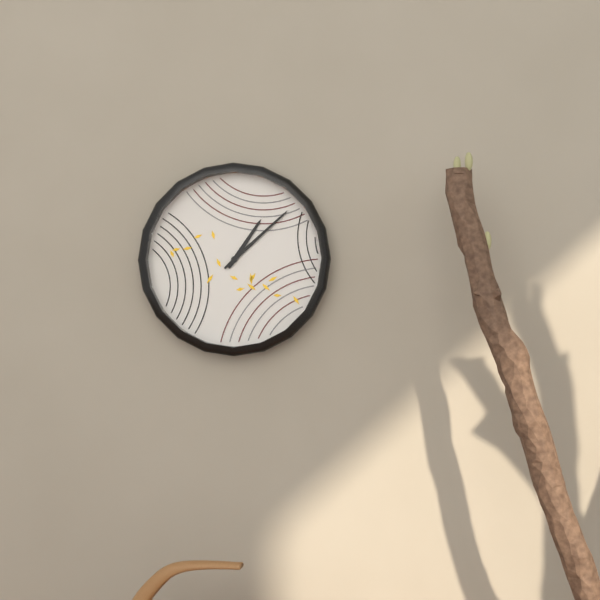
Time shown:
{"hour": 1, "minute": 8}
